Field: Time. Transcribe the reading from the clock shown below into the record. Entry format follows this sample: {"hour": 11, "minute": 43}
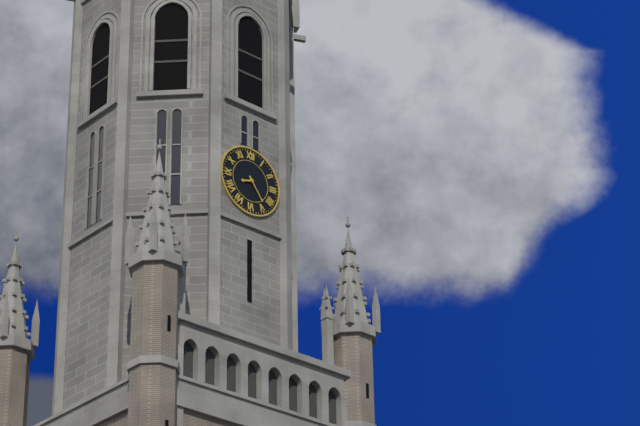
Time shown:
{"hour": 8, "minute": 24}
